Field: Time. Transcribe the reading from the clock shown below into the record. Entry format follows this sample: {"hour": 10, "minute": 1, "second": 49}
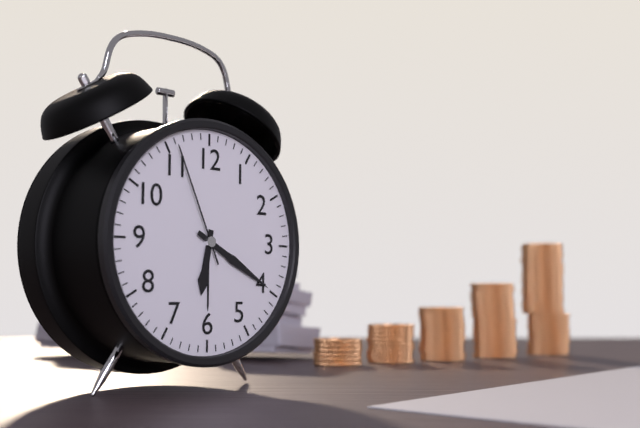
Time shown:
{"hour": 6, "minute": 20, "second": 56}
